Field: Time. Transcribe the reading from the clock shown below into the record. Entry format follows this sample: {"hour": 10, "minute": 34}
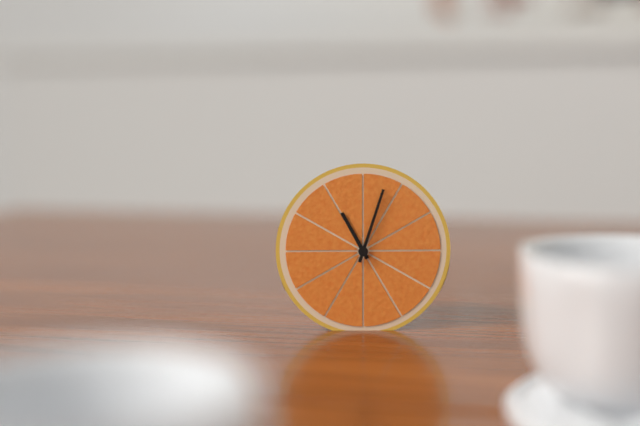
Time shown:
{"hour": 11, "minute": 3}
